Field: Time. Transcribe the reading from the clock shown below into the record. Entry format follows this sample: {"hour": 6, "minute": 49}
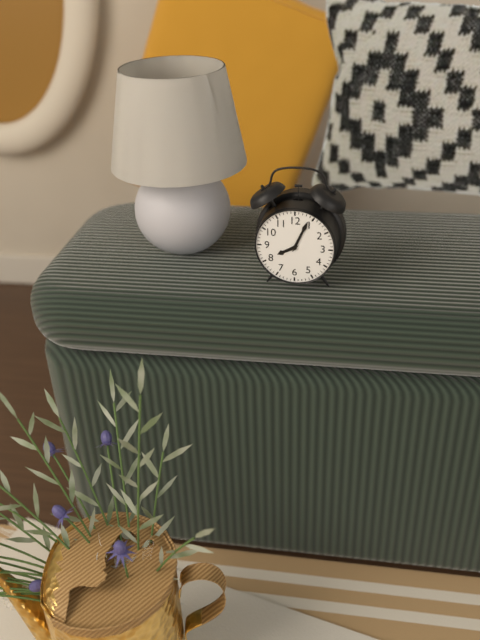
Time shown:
{"hour": 8, "minute": 4}
